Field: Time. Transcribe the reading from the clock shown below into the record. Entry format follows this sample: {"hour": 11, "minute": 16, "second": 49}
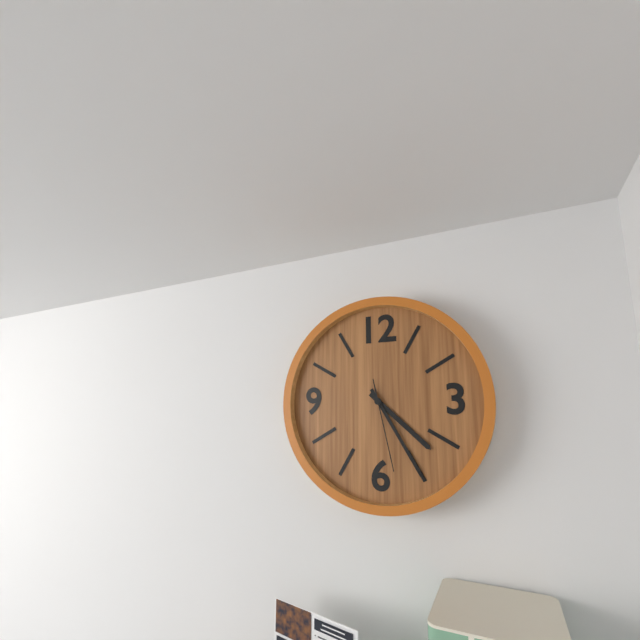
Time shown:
{"hour": 4, "minute": 25, "second": 28}
